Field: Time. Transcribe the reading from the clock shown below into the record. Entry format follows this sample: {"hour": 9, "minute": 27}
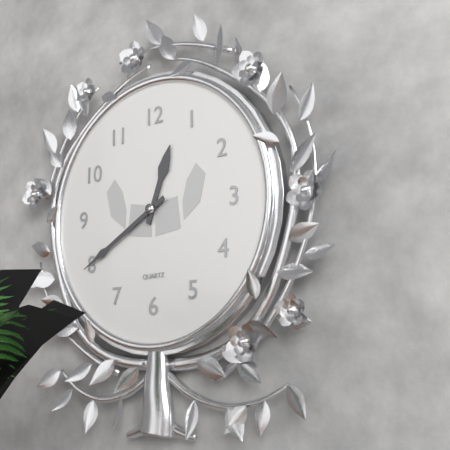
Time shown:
{"hour": 12, "minute": 40}
